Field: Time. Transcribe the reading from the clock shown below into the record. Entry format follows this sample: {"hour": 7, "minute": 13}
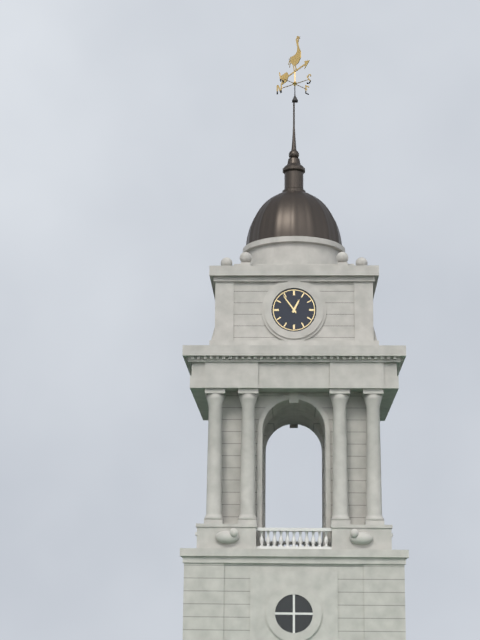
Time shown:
{"hour": 12, "minute": 54}
